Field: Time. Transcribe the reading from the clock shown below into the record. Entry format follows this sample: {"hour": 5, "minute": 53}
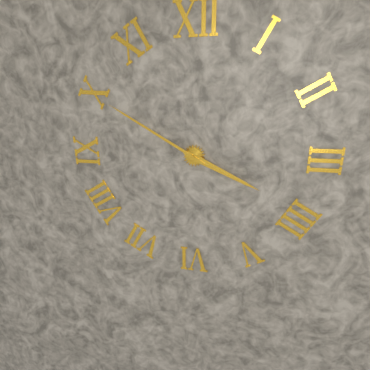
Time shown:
{"hour": 3, "minute": 50}
